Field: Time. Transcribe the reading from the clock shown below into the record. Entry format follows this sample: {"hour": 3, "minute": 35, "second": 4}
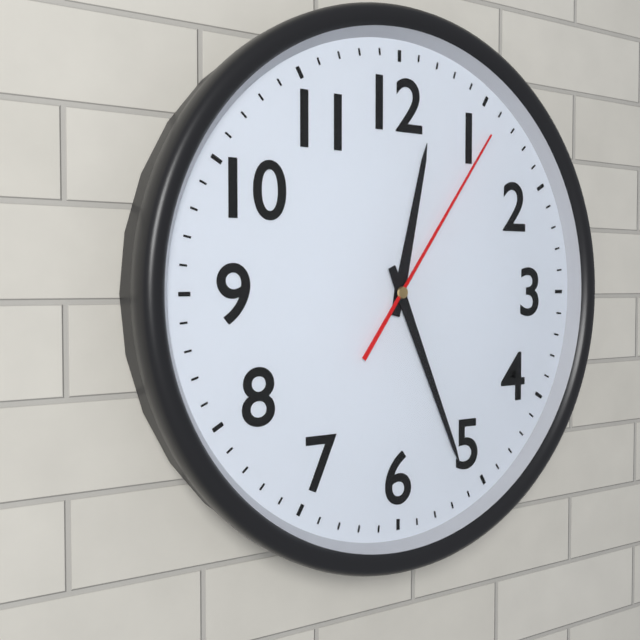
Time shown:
{"hour": 12, "minute": 26, "second": 6}
